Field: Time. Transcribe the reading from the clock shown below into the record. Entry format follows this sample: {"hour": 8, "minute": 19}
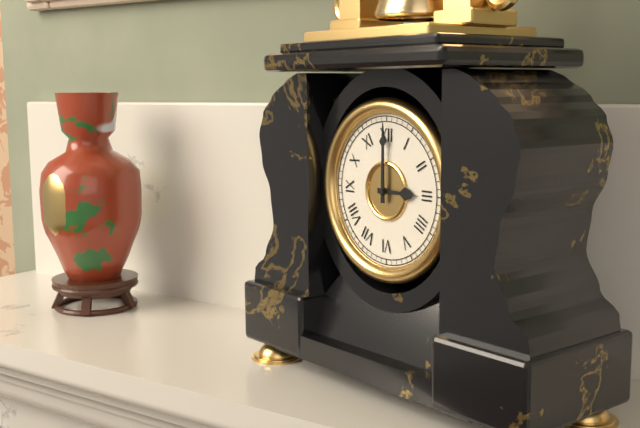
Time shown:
{"hour": 3, "minute": 0}
